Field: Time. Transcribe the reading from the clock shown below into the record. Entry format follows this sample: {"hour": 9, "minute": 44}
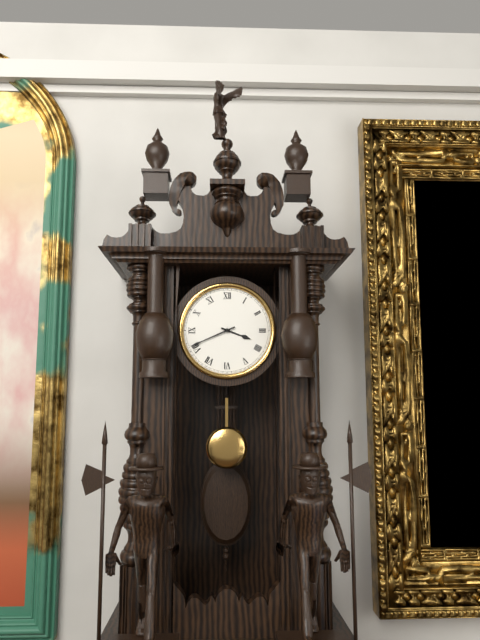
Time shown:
{"hour": 3, "minute": 41}
